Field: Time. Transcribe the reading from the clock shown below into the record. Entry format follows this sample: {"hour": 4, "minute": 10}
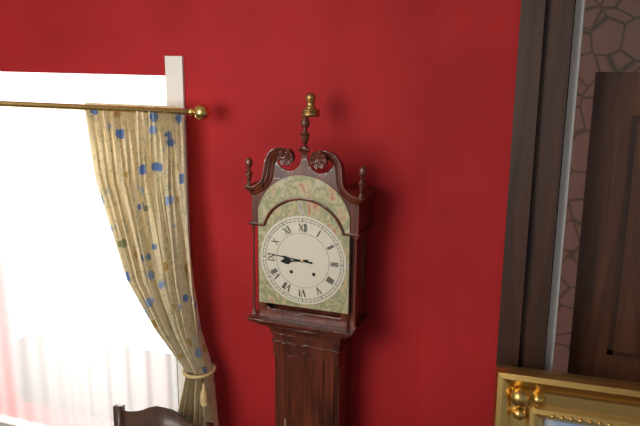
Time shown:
{"hour": 8, "minute": 46}
